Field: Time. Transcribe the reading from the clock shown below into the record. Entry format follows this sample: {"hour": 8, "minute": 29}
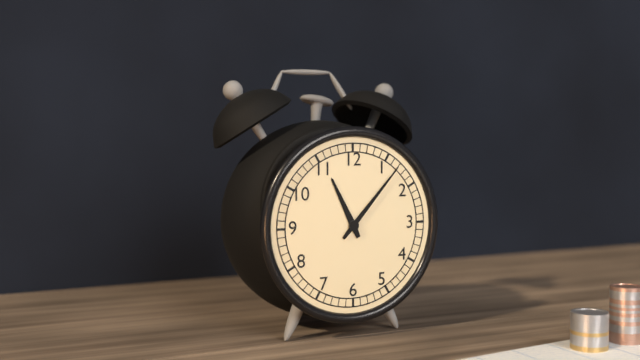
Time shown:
{"hour": 11, "minute": 7}
